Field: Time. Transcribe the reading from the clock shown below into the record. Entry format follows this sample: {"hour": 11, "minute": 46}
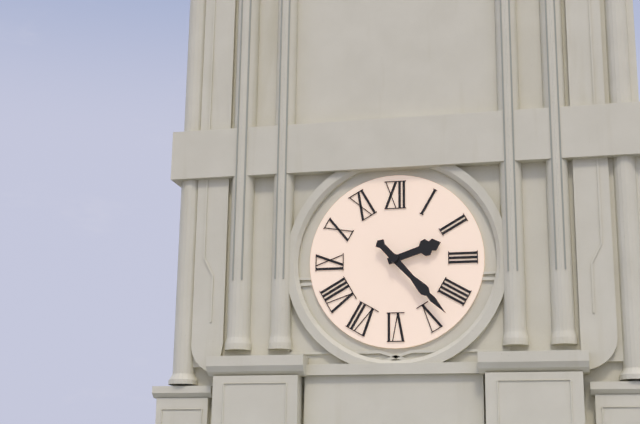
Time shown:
{"hour": 2, "minute": 23}
